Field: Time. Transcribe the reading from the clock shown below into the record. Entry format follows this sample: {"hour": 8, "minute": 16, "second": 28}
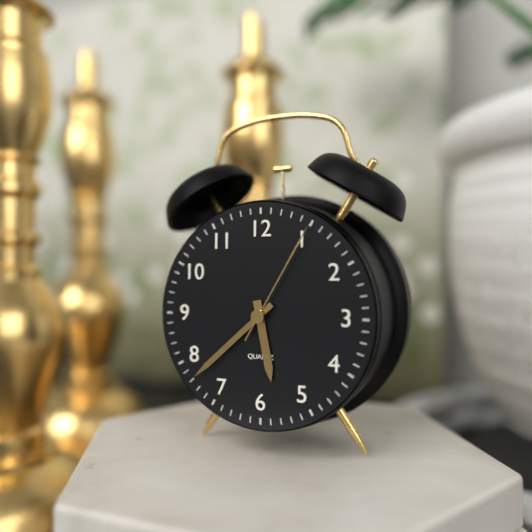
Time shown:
{"hour": 5, "minute": 38, "second": 5}
